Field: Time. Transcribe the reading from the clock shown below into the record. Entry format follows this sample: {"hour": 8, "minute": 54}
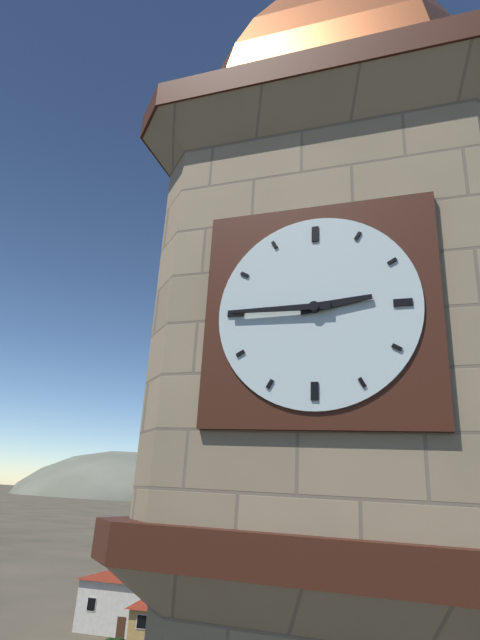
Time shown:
{"hour": 2, "minute": 45}
